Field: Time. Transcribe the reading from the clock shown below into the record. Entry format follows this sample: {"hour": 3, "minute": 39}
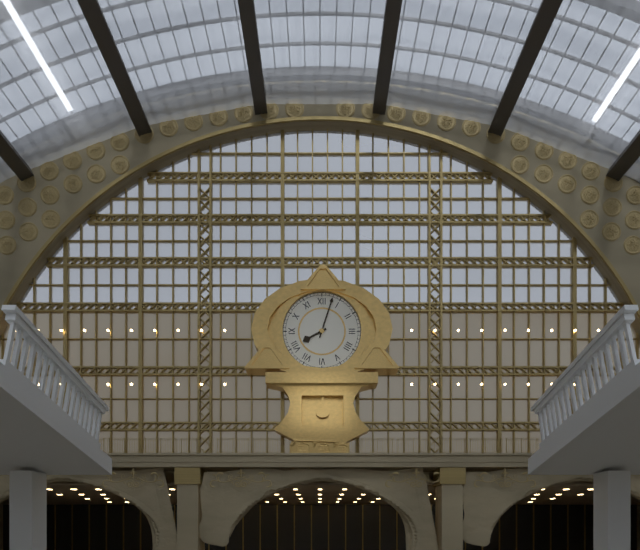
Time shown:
{"hour": 8, "minute": 3}
